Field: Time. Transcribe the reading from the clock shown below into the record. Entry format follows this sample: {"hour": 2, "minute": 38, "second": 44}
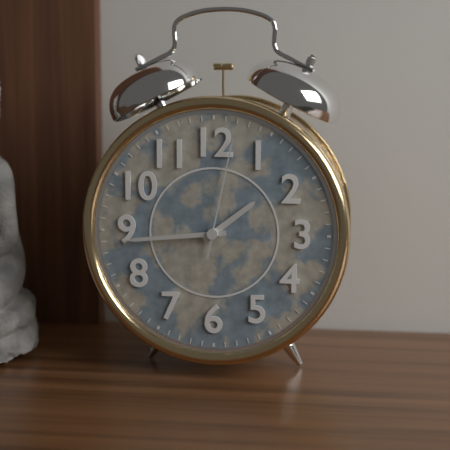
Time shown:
{"hour": 1, "minute": 44, "second": 2}
